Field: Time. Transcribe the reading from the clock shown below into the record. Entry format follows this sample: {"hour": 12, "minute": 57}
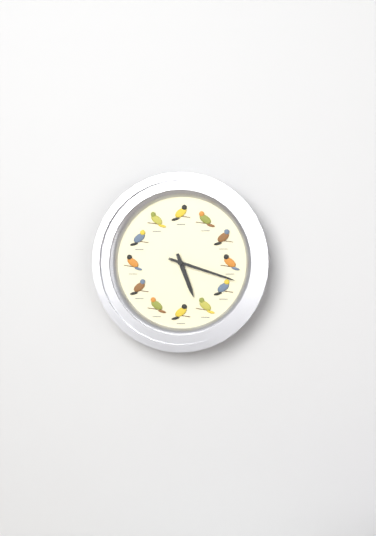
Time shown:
{"hour": 5, "minute": 18}
